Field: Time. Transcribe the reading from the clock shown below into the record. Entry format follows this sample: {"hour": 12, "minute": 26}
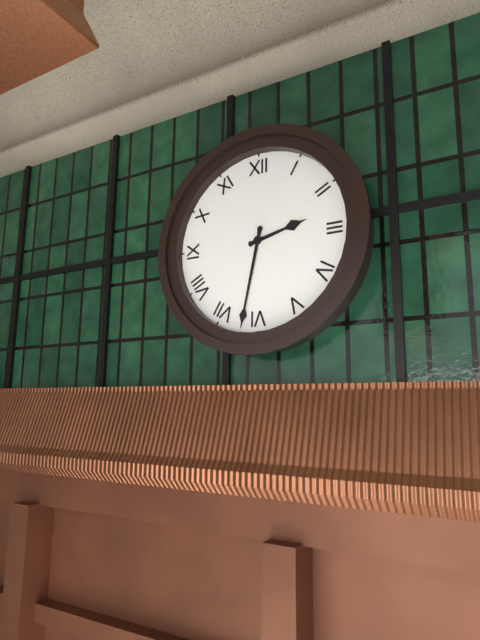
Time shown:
{"hour": 2, "minute": 32}
